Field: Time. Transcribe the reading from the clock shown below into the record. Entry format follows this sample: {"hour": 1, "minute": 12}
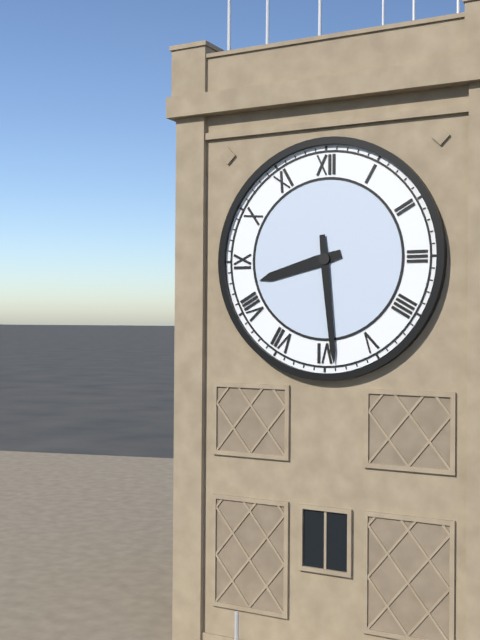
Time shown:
{"hour": 8, "minute": 29}
